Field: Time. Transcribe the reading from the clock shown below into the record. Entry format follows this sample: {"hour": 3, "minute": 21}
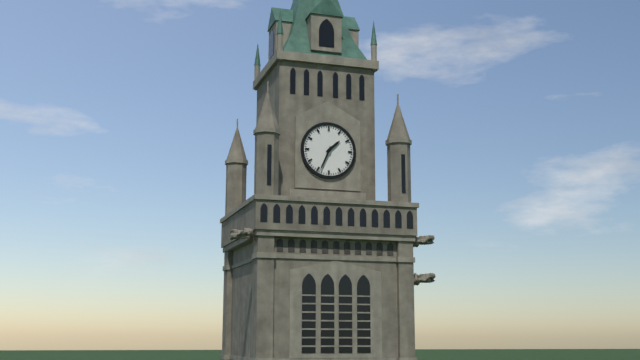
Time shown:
{"hour": 1, "minute": 34}
